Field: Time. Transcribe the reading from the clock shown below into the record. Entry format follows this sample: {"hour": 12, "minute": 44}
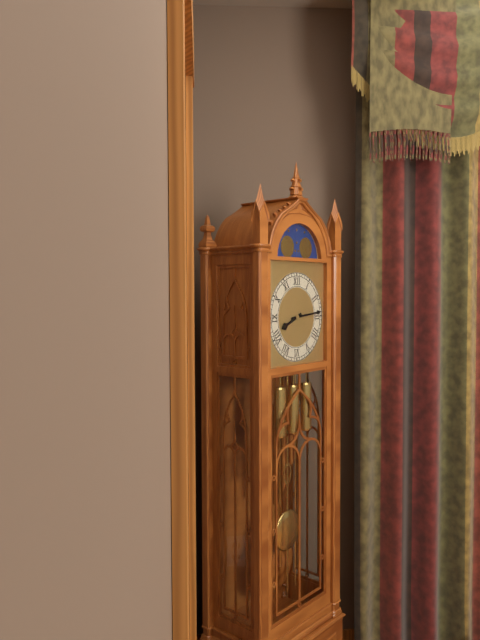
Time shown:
{"hour": 8, "minute": 14}
